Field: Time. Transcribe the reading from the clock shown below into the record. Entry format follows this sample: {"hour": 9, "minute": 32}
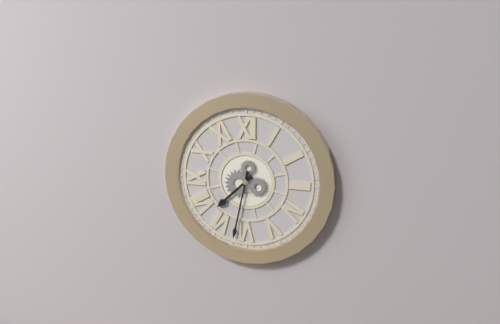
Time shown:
{"hour": 7, "minute": 32}
